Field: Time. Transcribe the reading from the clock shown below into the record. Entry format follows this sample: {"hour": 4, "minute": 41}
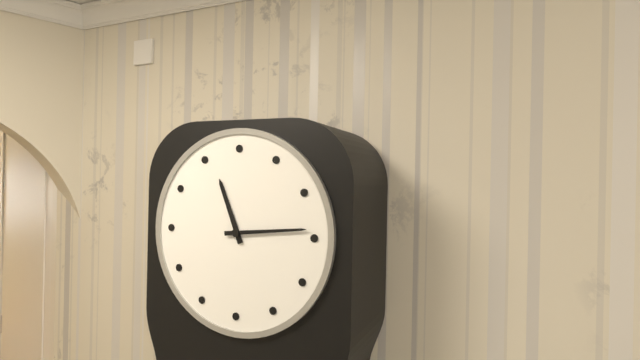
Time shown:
{"hour": 11, "minute": 14}
